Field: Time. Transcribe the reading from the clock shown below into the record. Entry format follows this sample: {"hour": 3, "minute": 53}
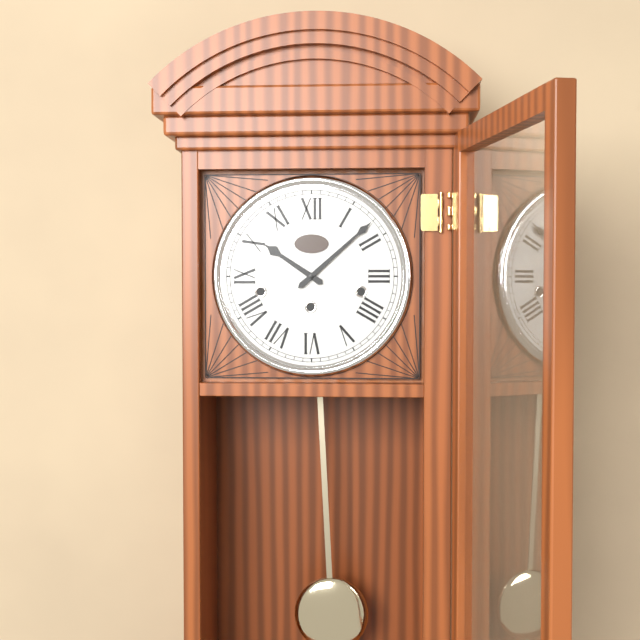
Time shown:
{"hour": 10, "minute": 8}
